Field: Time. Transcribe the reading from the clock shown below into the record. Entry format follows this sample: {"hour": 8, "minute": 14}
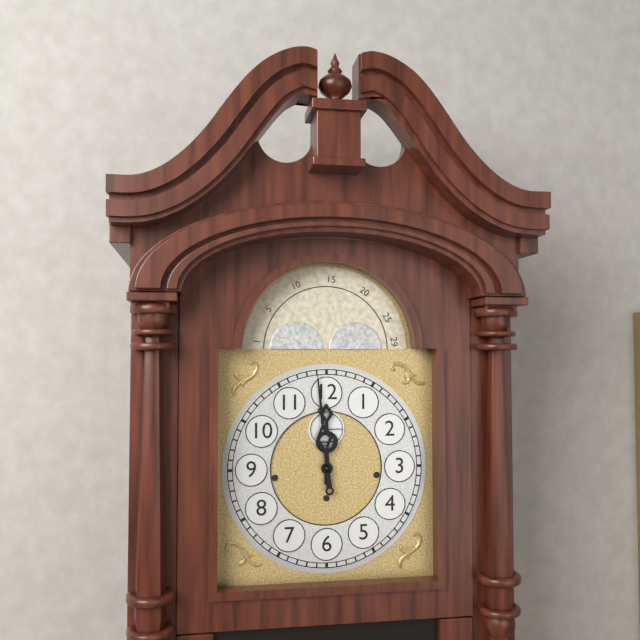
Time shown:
{"hour": 11, "minute": 59}
